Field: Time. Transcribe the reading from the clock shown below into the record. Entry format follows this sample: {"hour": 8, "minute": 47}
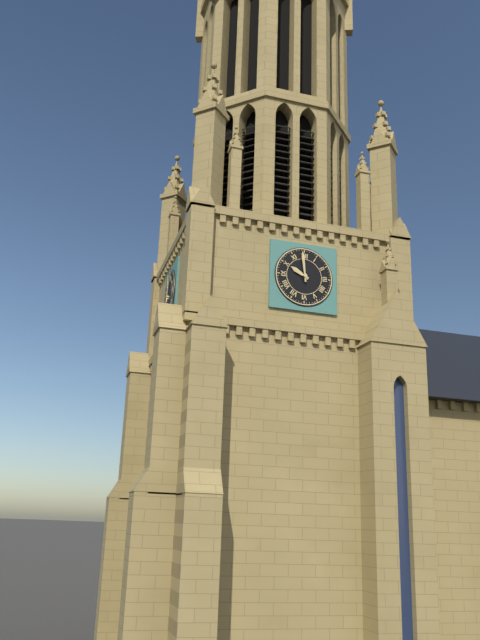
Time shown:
{"hour": 9, "minute": 59}
